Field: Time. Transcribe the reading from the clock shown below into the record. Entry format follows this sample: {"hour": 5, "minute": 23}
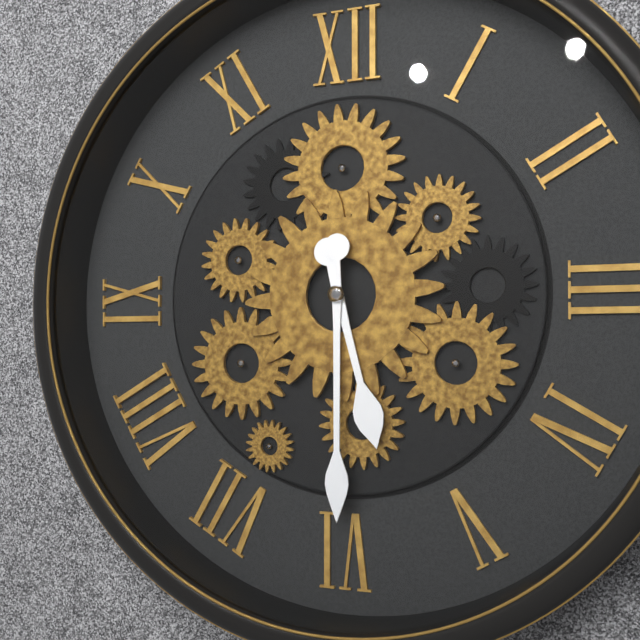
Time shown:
{"hour": 5, "minute": 30}
